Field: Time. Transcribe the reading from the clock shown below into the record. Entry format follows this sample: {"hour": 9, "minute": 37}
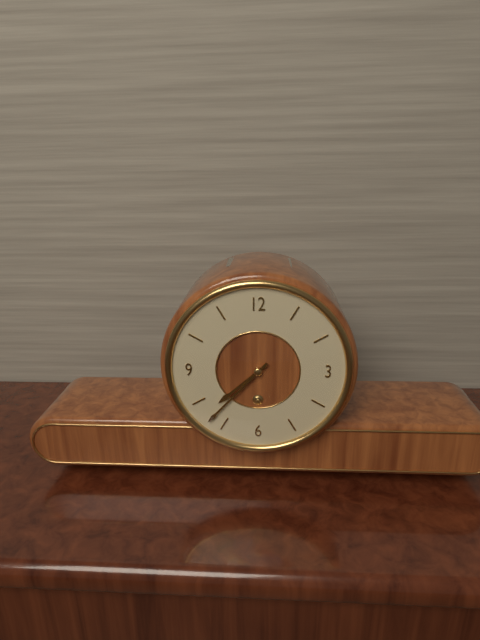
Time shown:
{"hour": 7, "minute": 37}
